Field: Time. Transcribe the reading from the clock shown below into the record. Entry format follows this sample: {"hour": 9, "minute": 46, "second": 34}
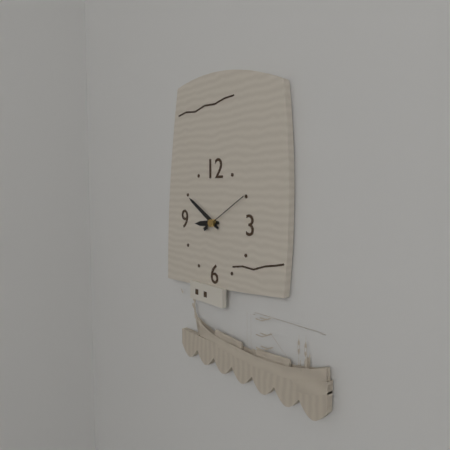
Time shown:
{"hour": 8, "minute": 50, "second": 10}
